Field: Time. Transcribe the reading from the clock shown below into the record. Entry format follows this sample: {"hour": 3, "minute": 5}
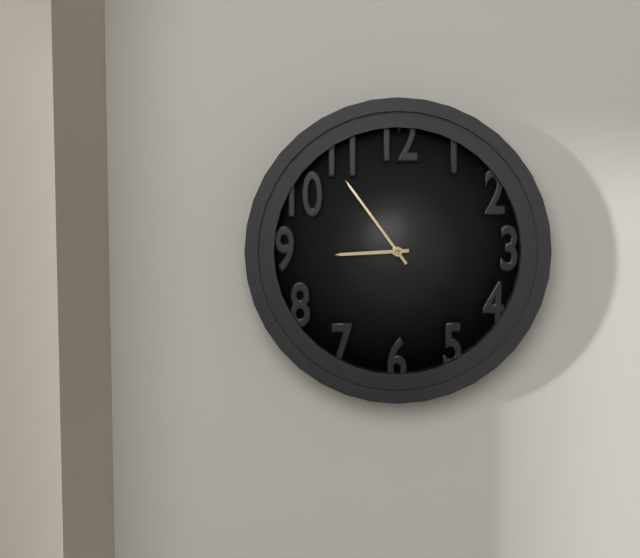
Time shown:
{"hour": 8, "minute": 54}
